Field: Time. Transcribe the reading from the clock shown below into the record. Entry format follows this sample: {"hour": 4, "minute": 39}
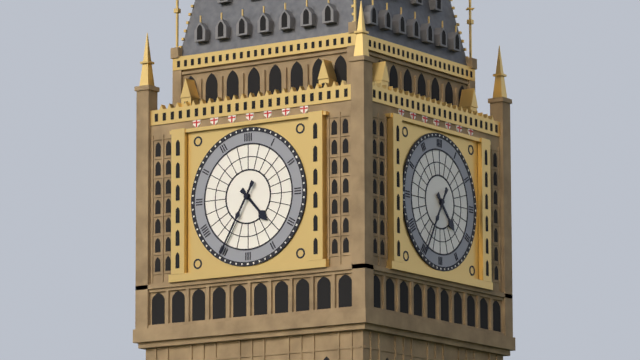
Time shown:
{"hour": 4, "minute": 35}
